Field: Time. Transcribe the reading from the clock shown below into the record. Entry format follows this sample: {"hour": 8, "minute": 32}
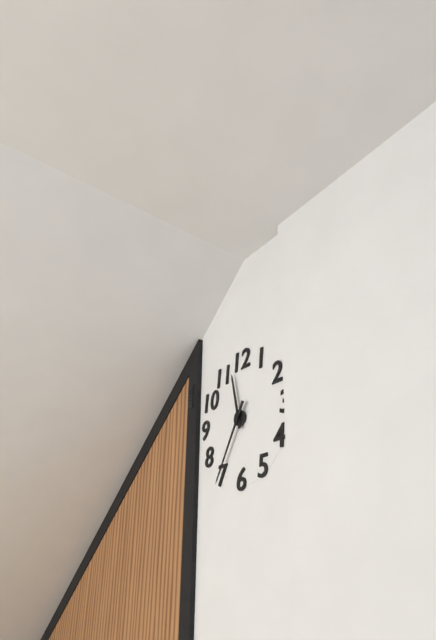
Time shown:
{"hour": 11, "minute": 35}
